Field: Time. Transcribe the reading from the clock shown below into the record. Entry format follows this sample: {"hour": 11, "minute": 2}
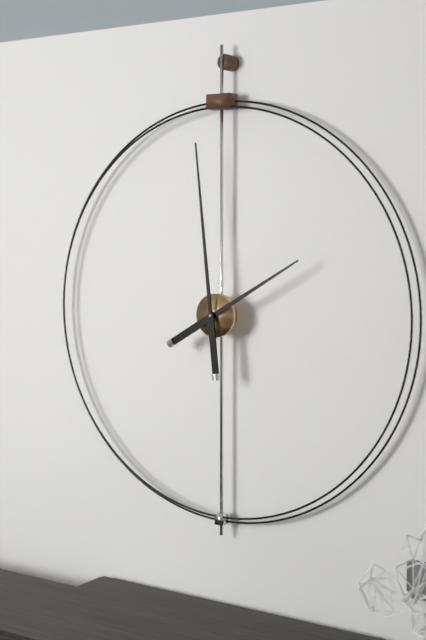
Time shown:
{"hour": 1, "minute": 59}
